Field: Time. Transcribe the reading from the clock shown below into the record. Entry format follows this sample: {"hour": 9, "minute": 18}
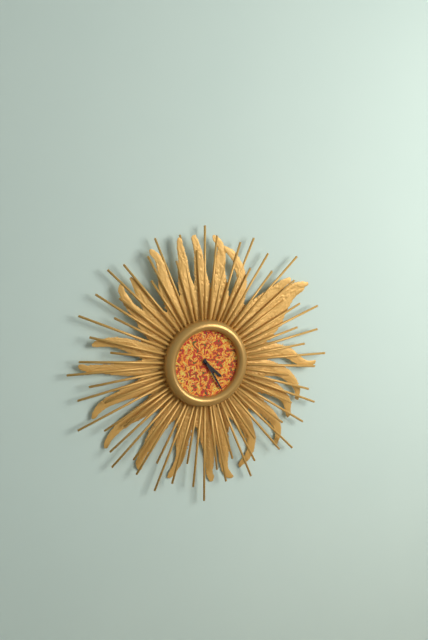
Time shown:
{"hour": 4, "minute": 25}
